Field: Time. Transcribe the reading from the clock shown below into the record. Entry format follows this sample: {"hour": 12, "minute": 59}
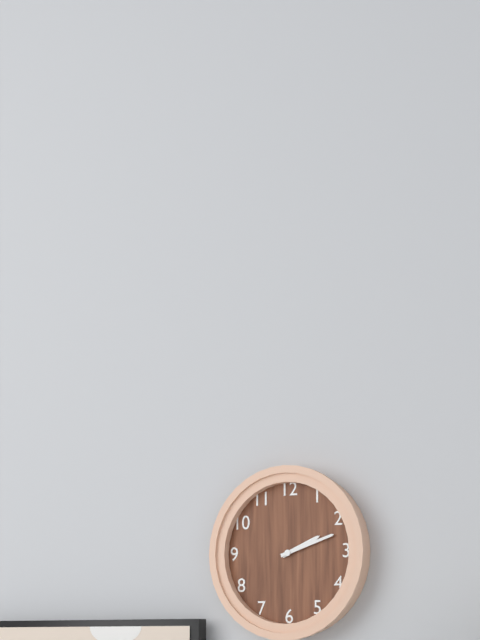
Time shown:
{"hour": 2, "minute": 12}
